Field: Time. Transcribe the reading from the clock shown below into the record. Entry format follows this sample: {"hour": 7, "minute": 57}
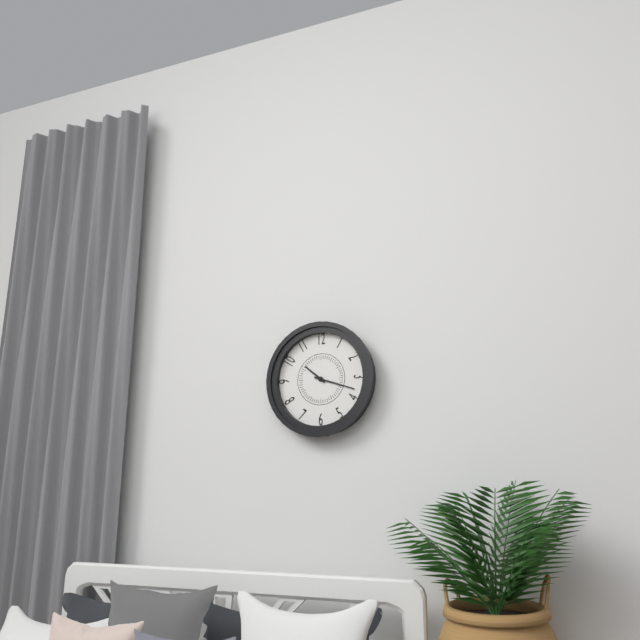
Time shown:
{"hour": 10, "minute": 18}
